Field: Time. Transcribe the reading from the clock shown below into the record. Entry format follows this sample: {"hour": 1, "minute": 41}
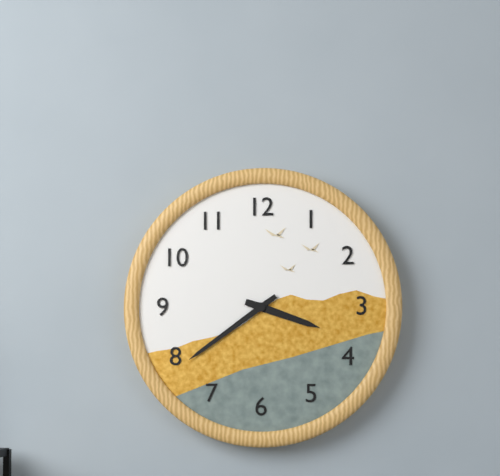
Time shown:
{"hour": 3, "minute": 39}
